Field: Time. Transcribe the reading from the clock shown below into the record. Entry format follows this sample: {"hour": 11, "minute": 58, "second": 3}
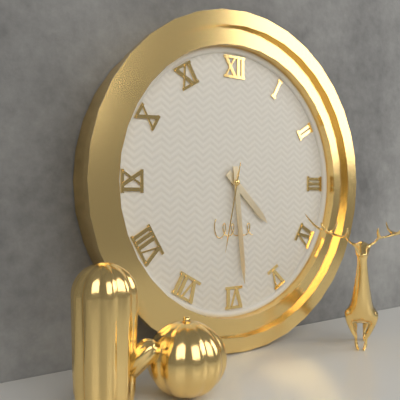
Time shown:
{"hour": 4, "minute": 29, "second": 32}
